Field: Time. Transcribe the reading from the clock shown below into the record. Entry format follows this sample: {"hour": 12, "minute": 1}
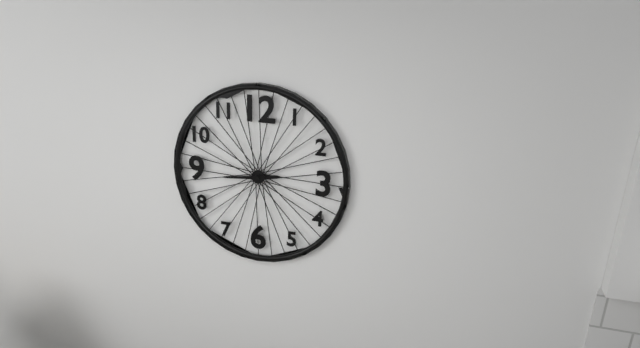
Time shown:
{"hour": 2, "minute": 44}
